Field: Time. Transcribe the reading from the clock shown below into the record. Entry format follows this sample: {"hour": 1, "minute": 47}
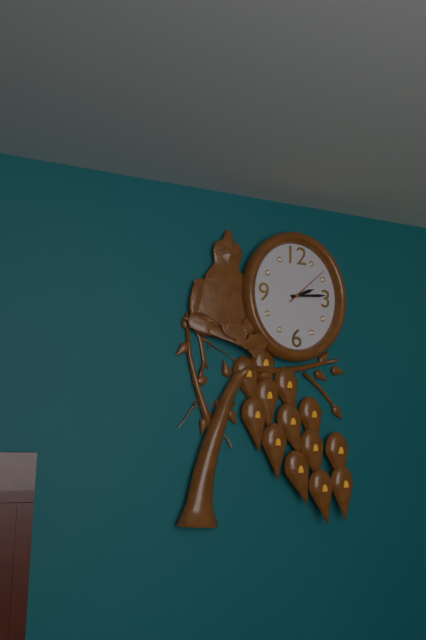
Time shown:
{"hour": 2, "minute": 14}
